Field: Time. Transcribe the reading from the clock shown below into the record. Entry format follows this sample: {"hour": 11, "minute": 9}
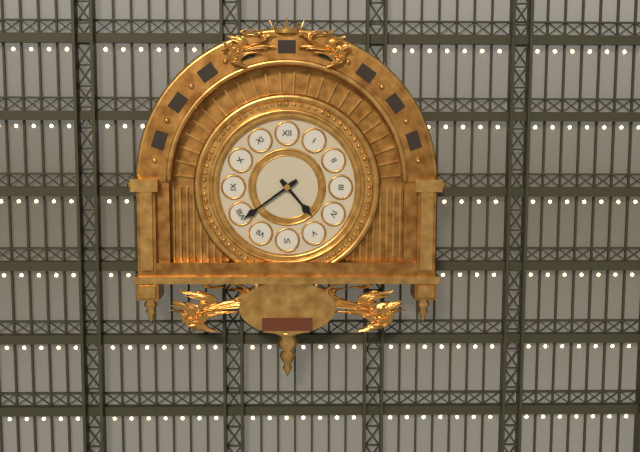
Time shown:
{"hour": 4, "minute": 39}
